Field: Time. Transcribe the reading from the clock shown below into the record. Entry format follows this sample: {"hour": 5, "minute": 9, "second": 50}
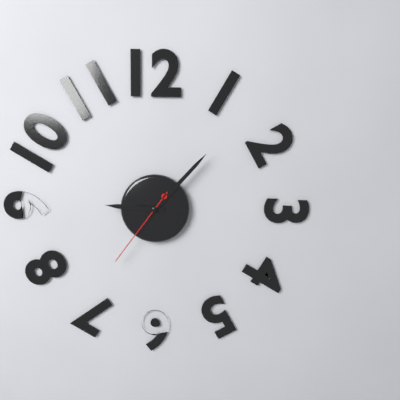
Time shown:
{"hour": 9, "minute": 7, "second": 36}
